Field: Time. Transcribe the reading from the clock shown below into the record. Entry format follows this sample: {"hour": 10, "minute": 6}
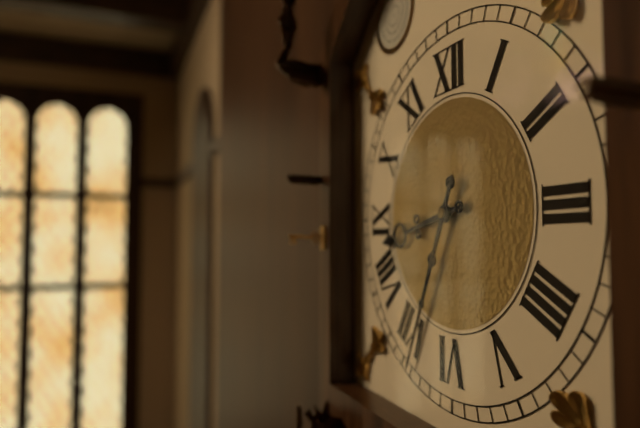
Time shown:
{"hour": 8, "minute": 34}
